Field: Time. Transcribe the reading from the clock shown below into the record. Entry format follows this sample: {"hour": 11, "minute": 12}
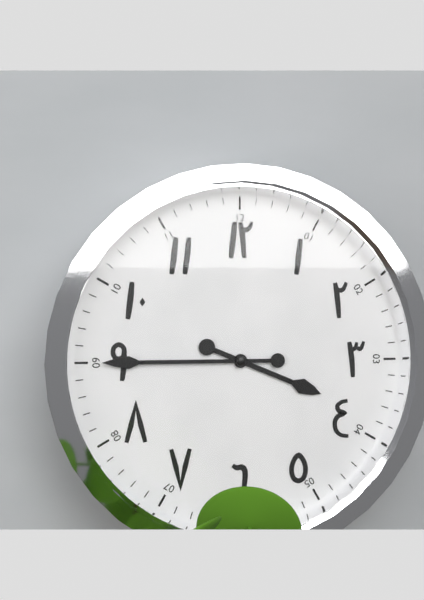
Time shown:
{"hour": 3, "minute": 45}
